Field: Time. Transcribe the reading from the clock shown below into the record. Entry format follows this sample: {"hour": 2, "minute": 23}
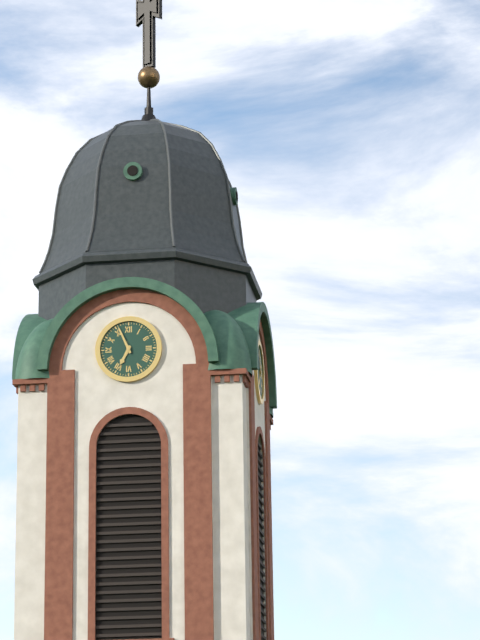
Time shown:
{"hour": 6, "minute": 56}
